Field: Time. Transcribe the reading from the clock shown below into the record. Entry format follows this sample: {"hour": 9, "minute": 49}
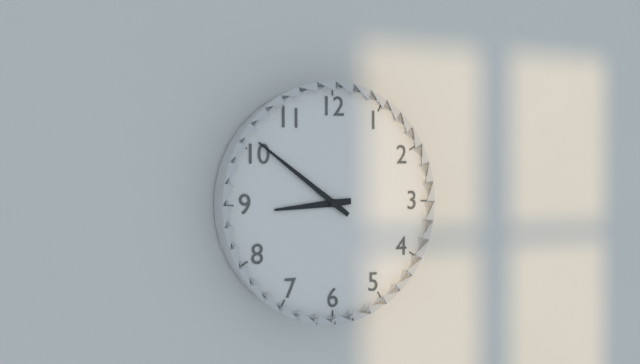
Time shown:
{"hour": 8, "minute": 51}
